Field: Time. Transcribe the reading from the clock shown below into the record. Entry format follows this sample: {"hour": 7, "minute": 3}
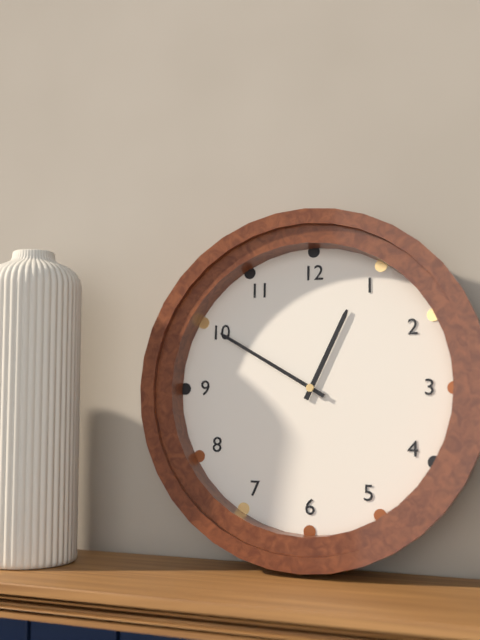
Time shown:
{"hour": 12, "minute": 50}
